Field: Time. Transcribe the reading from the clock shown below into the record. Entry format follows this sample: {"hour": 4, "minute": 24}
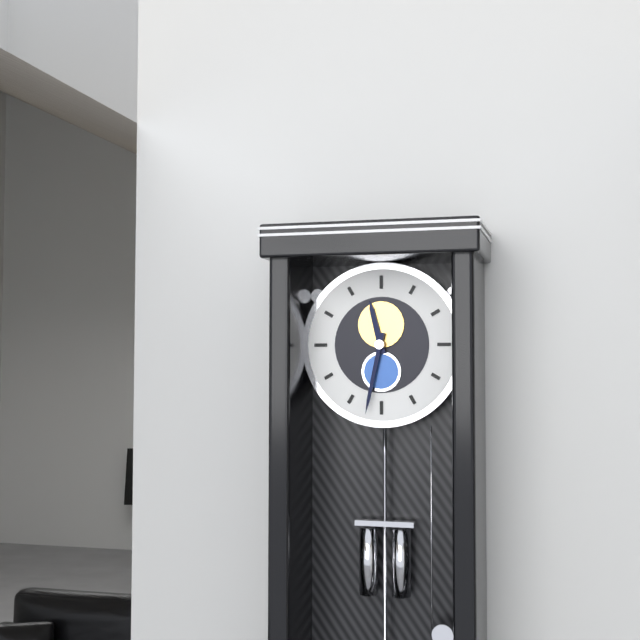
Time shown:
{"hour": 11, "minute": 32}
